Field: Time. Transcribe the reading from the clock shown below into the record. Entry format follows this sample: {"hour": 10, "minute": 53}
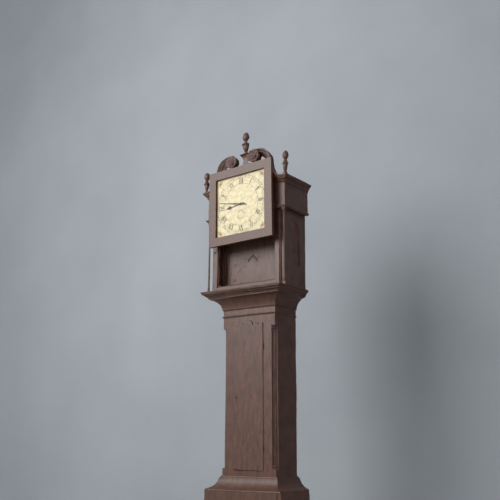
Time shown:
{"hour": 8, "minute": 47}
